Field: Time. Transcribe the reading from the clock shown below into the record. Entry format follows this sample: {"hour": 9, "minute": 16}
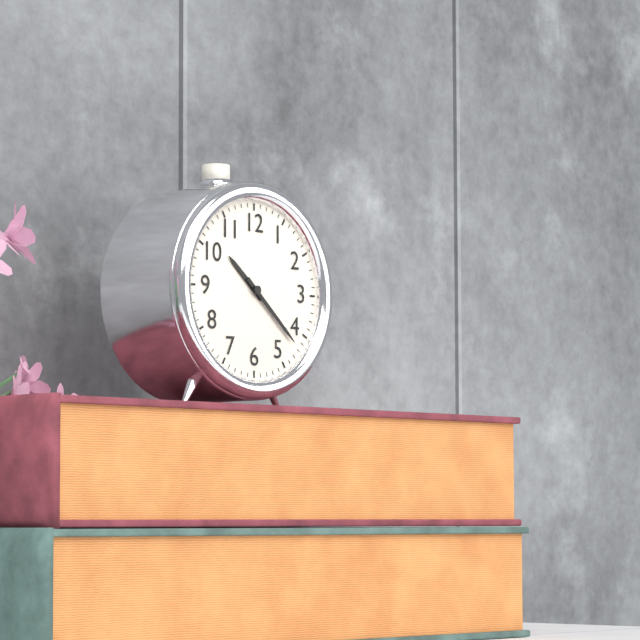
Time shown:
{"hour": 10, "minute": 22}
